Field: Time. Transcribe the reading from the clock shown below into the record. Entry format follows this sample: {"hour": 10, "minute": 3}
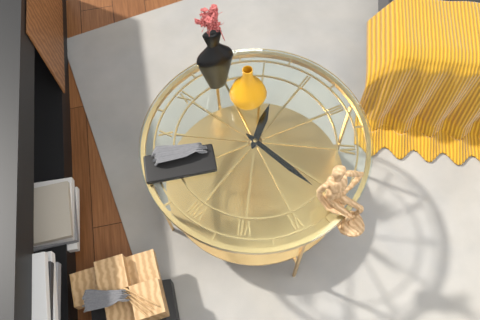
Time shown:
{"hour": 1, "minute": 26}
